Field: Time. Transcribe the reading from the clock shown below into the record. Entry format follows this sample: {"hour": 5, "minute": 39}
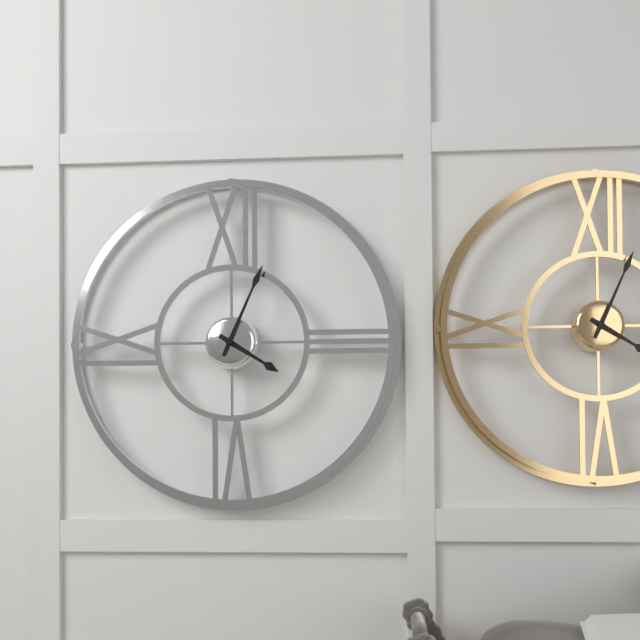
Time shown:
{"hour": 4, "minute": 4}
